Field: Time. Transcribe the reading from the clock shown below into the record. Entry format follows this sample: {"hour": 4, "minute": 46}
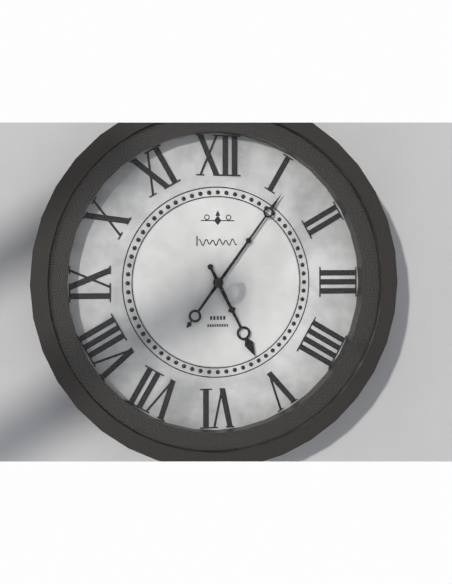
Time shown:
{"hour": 5, "minute": 6}
